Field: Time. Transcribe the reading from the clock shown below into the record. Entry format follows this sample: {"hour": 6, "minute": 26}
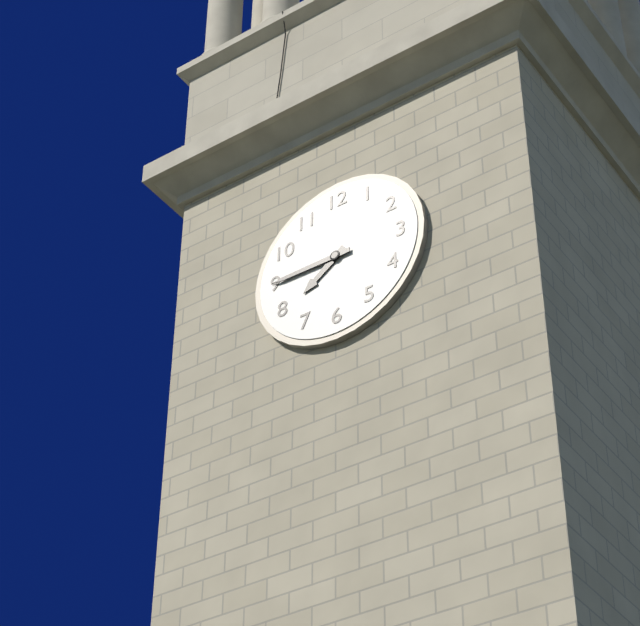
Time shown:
{"hour": 7, "minute": 45}
